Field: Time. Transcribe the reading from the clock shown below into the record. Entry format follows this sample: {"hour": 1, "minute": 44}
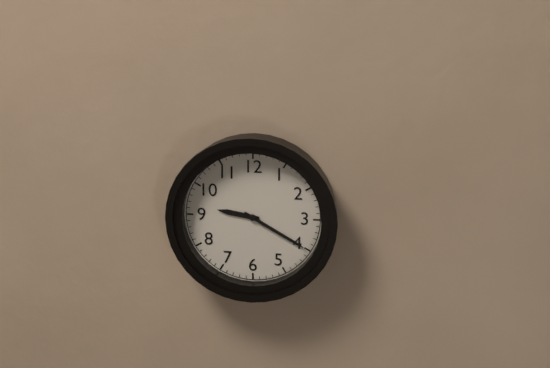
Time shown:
{"hour": 9, "minute": 20}
